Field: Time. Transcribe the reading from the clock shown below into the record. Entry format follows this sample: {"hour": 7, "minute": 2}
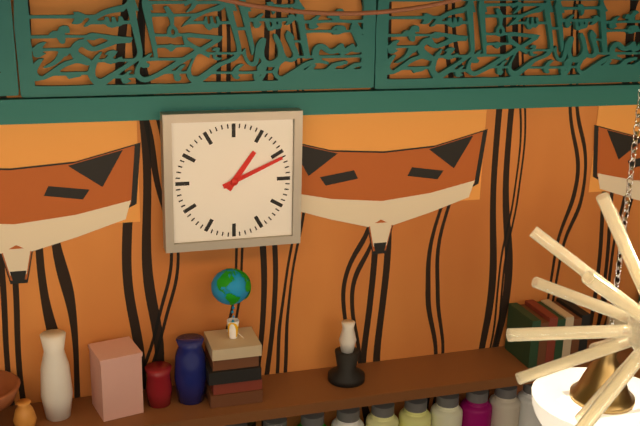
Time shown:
{"hour": 1, "minute": 11}
